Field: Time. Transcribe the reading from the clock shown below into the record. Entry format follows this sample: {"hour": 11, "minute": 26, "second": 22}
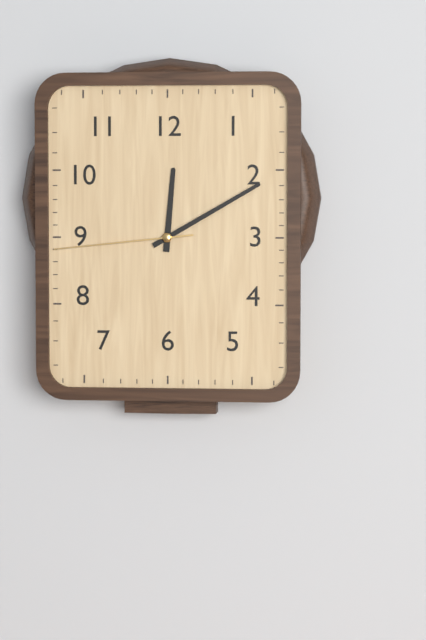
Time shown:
{"hour": 12, "minute": 10, "second": 44}
